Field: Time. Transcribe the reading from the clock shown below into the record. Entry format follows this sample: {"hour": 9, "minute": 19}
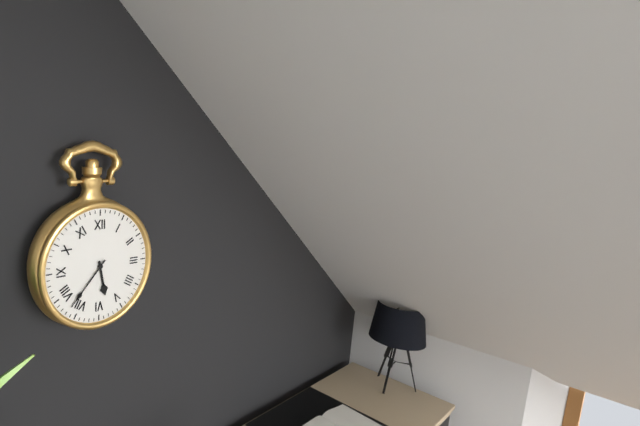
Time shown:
{"hour": 5, "minute": 37}
